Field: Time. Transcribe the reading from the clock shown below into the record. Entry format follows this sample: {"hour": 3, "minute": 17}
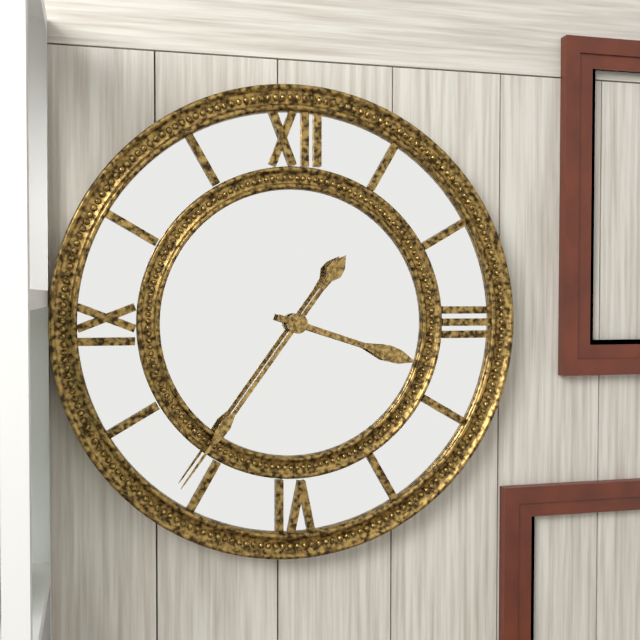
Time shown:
{"hour": 3, "minute": 36}
